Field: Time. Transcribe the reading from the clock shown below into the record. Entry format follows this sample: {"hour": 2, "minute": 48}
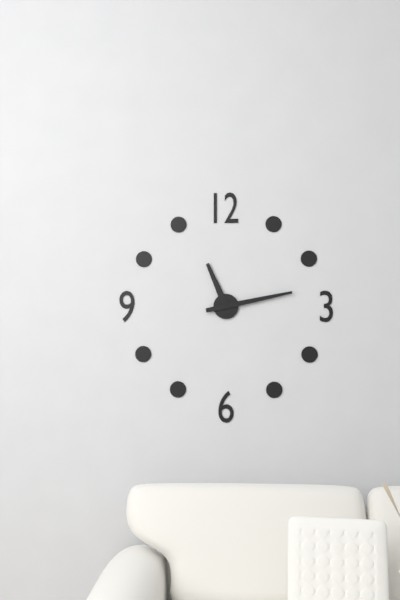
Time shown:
{"hour": 11, "minute": 13}
